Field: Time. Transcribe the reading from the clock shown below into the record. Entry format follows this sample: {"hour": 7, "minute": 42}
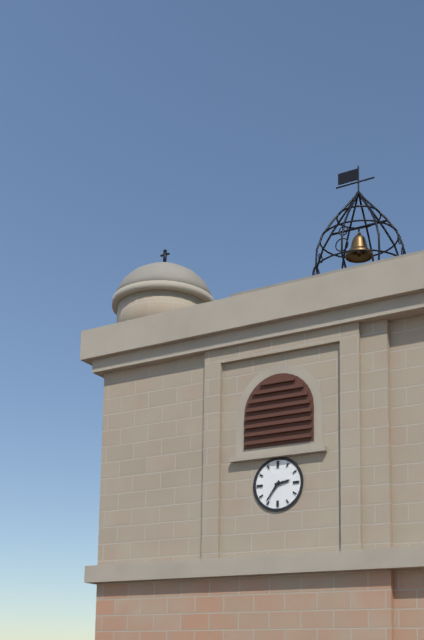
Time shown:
{"hour": 2, "minute": 36}
